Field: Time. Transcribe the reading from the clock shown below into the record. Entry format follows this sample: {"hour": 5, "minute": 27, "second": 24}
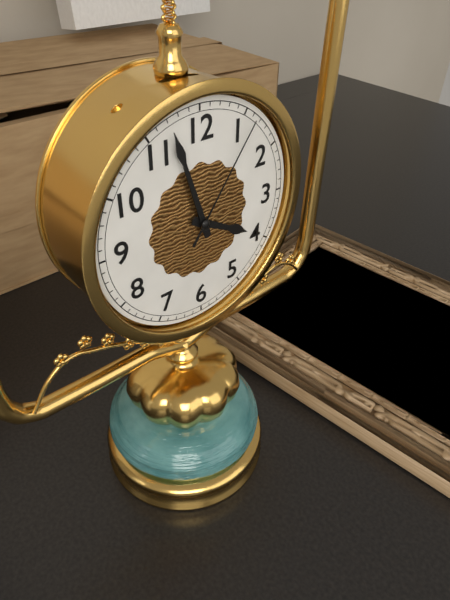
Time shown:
{"hour": 3, "minute": 57, "second": 6}
